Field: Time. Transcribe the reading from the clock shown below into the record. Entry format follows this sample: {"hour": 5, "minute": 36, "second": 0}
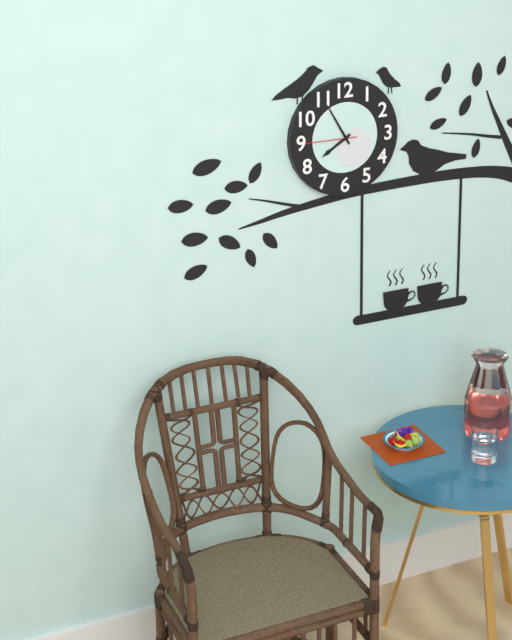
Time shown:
{"hour": 7, "minute": 55, "second": 45}
